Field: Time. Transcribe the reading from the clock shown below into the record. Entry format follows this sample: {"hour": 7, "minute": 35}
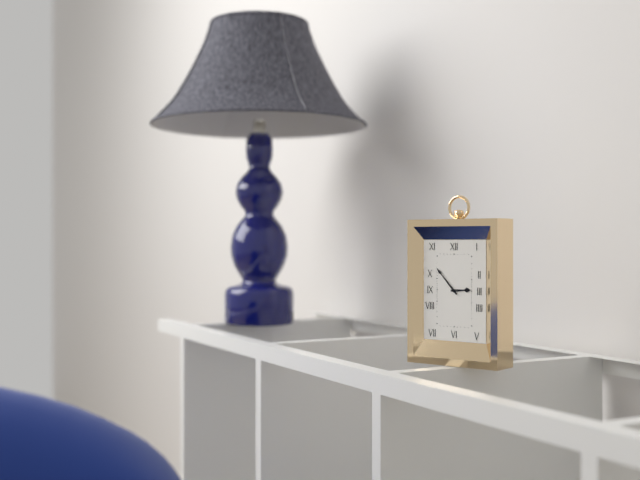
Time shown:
{"hour": 2, "minute": 53}
